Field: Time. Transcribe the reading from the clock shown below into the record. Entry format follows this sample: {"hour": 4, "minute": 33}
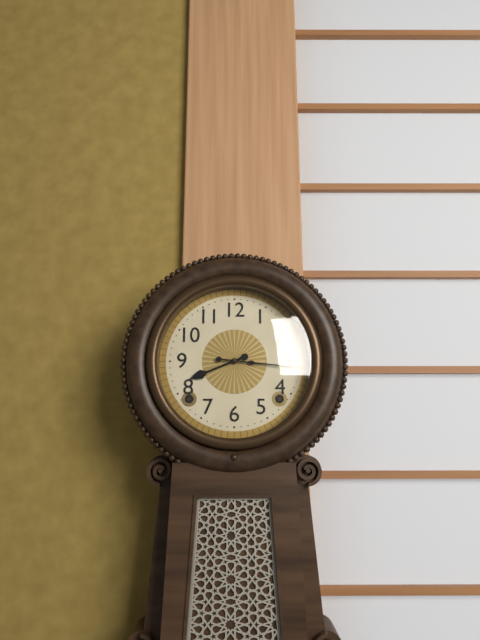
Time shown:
{"hour": 8, "minute": 16}
